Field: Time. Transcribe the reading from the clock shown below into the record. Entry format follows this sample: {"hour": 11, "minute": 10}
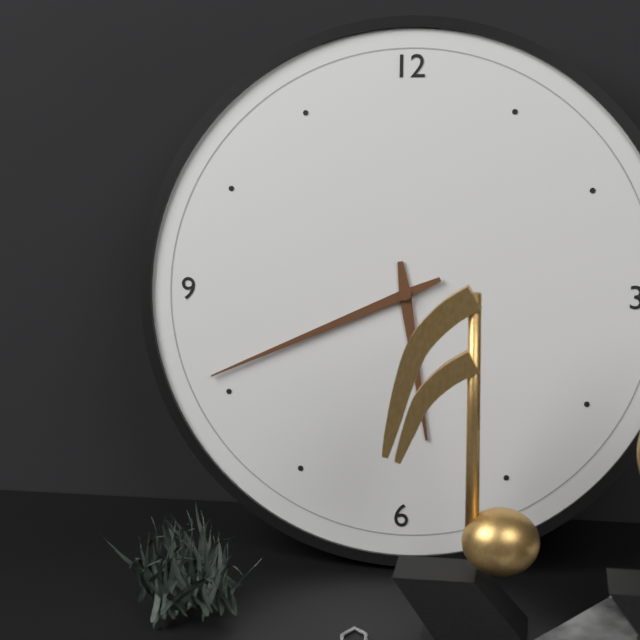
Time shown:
{"hour": 5, "minute": 41}
